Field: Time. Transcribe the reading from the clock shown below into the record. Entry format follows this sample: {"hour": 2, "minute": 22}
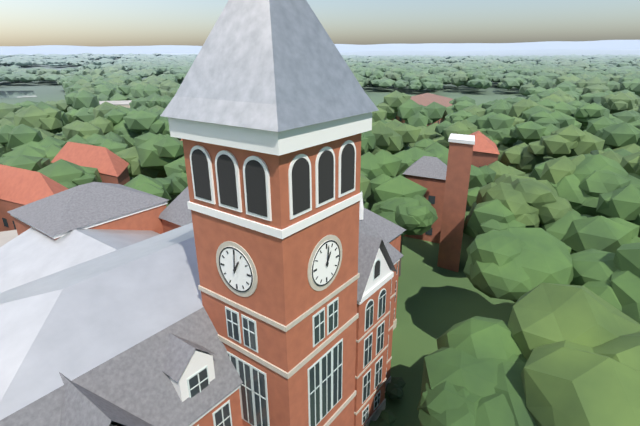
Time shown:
{"hour": 1, "minute": 1}
